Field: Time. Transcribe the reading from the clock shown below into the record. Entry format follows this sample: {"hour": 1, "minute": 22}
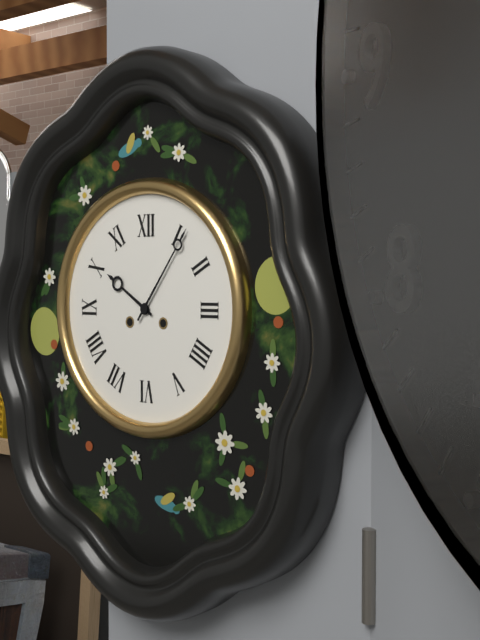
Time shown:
{"hour": 10, "minute": 6}
